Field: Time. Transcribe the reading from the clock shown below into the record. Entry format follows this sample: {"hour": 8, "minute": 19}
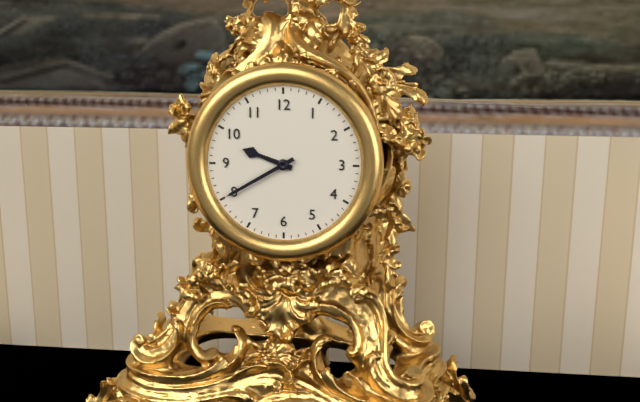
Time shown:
{"hour": 9, "minute": 40}
